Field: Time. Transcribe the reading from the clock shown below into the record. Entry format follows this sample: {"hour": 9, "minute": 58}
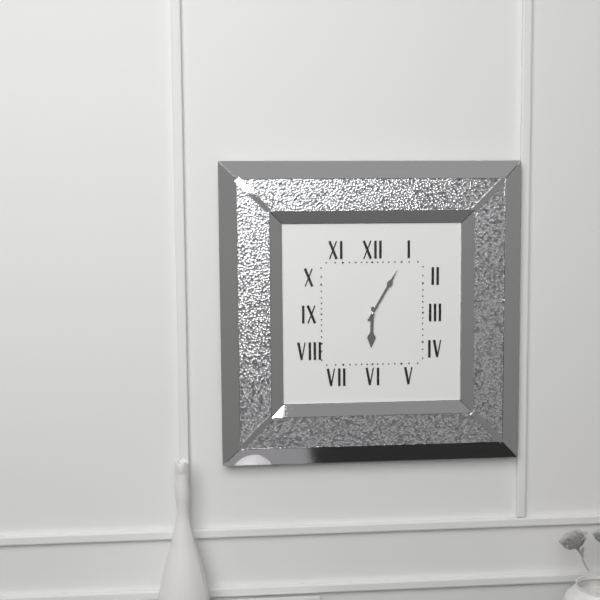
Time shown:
{"hour": 6, "minute": 5}
